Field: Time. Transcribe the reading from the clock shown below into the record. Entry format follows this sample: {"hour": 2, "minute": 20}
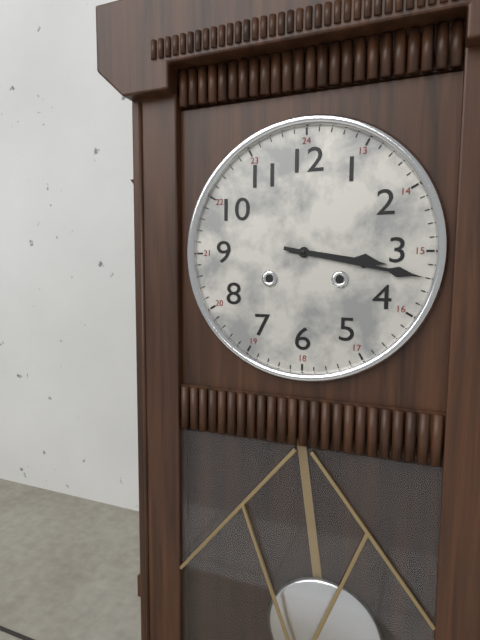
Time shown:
{"hour": 3, "minute": 17}
